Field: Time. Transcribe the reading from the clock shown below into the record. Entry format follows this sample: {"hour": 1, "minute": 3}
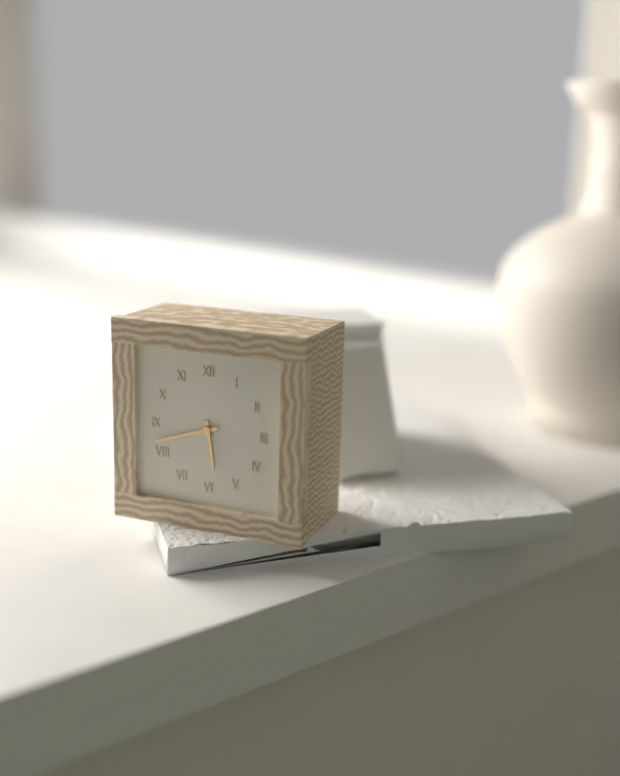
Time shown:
{"hour": 5, "minute": 42}
